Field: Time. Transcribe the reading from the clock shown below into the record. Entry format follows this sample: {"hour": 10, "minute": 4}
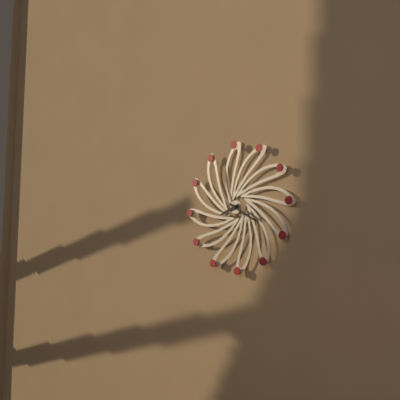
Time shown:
{"hour": 8, "minute": 20}
